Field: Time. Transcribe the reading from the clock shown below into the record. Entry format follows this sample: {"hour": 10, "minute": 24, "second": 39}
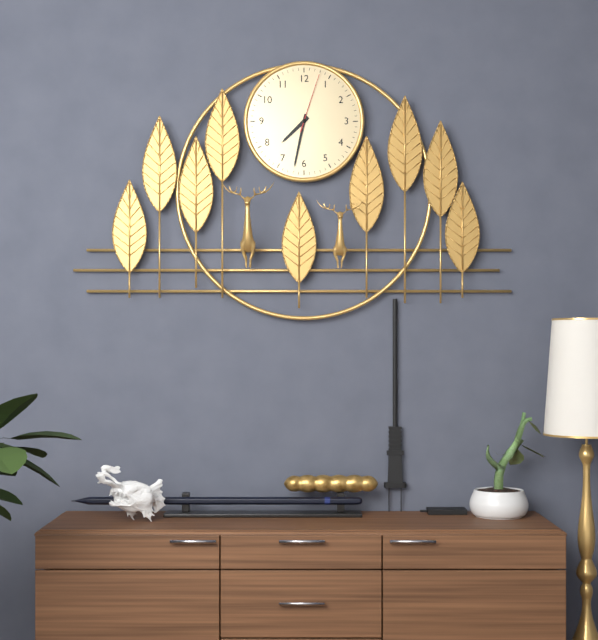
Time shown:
{"hour": 7, "minute": 32, "second": 3}
